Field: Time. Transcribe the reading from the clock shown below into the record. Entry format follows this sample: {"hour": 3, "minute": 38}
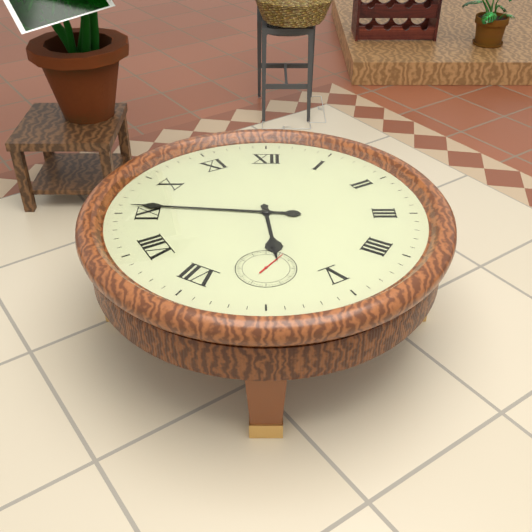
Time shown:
{"hour": 5, "minute": 46}
